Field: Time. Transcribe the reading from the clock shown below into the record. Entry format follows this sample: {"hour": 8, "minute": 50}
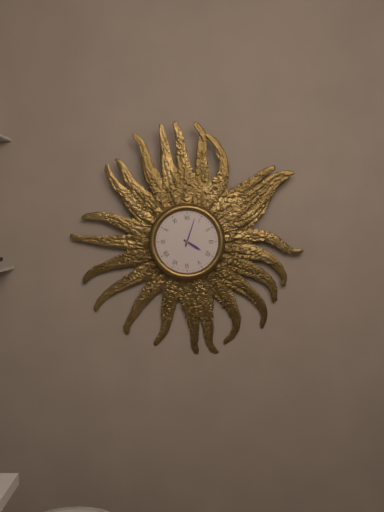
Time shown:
{"hour": 4, "minute": 3}
